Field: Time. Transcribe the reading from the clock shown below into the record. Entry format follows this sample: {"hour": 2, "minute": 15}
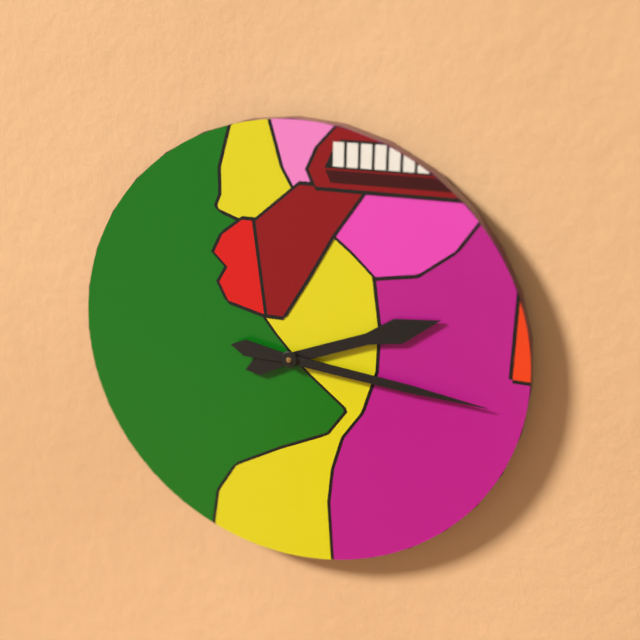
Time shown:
{"hour": 2, "minute": 16}
